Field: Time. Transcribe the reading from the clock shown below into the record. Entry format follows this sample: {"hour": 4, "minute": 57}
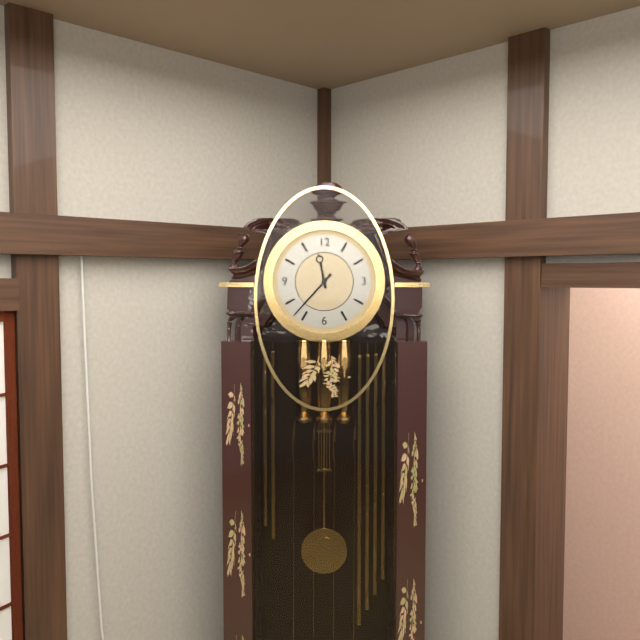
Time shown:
{"hour": 11, "minute": 37}
